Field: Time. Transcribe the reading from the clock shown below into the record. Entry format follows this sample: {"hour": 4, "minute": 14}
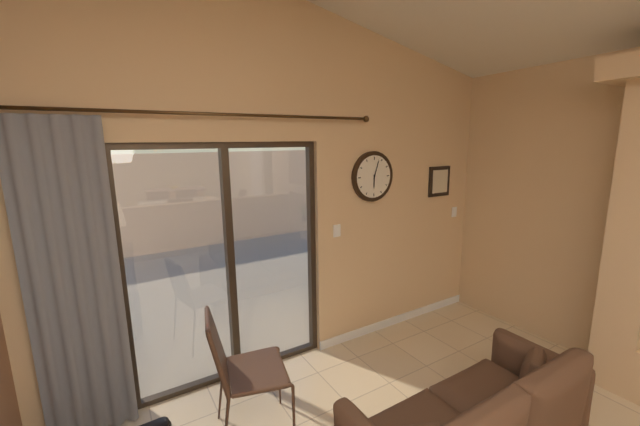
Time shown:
{"hour": 6, "minute": 3}
